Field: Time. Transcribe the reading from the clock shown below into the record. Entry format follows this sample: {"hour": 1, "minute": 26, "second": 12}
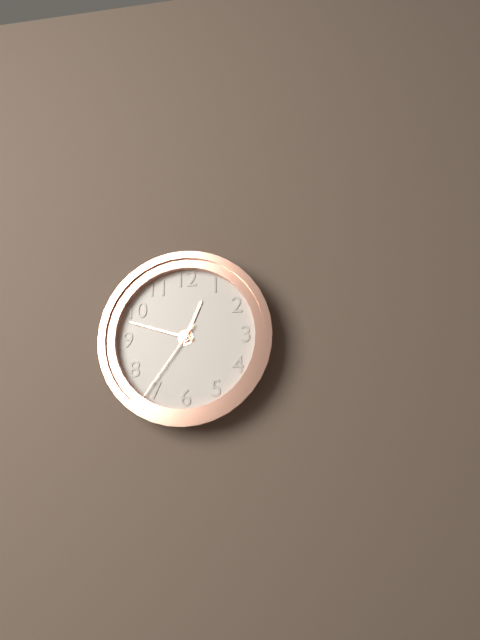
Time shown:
{"hour": 12, "minute": 48, "second": 36}
